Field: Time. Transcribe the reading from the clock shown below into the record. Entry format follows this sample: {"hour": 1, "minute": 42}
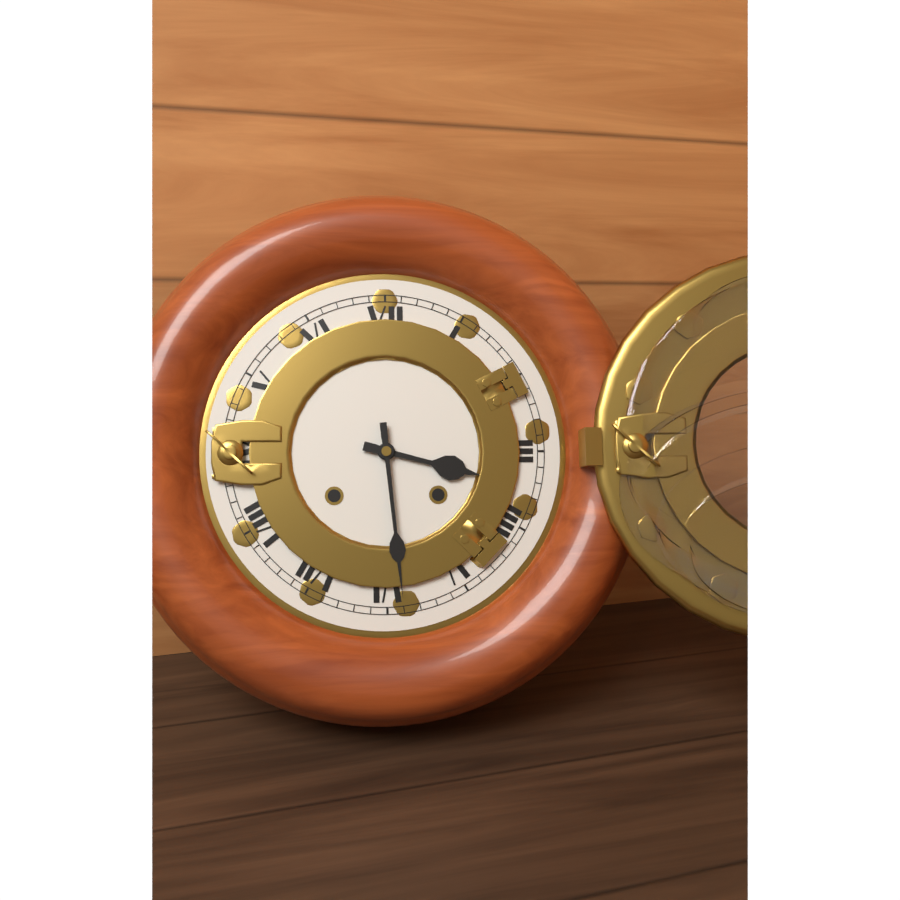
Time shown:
{"hour": 3, "minute": 29}
